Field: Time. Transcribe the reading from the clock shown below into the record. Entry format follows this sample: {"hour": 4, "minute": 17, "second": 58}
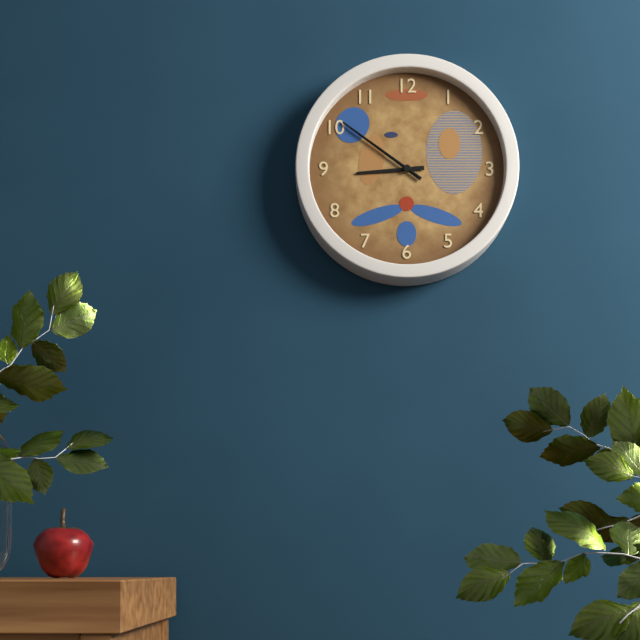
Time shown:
{"hour": 8, "minute": 51, "second": 51}
